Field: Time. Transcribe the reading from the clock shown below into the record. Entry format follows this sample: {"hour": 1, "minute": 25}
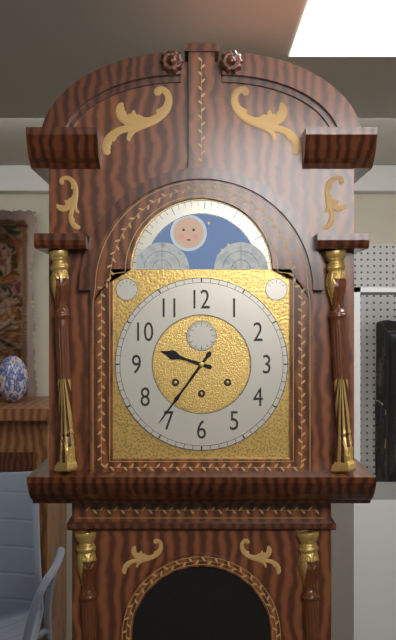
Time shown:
{"hour": 9, "minute": 36}
